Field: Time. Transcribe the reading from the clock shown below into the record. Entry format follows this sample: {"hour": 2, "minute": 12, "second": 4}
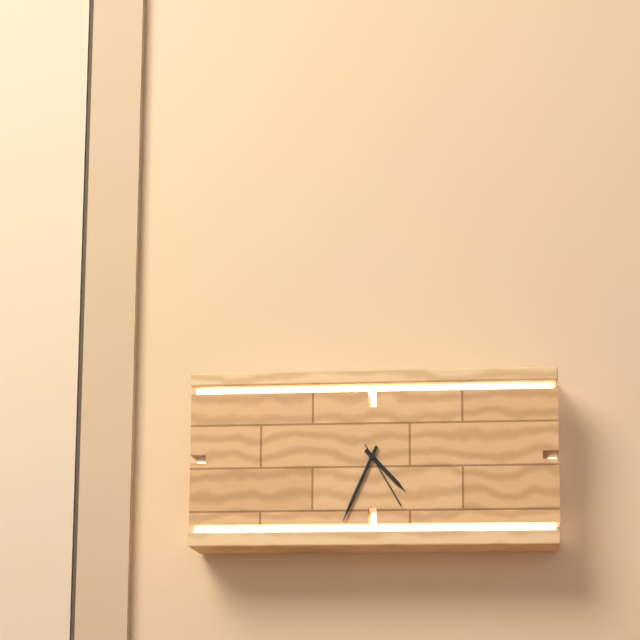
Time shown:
{"hour": 4, "minute": 34, "second": 25}
